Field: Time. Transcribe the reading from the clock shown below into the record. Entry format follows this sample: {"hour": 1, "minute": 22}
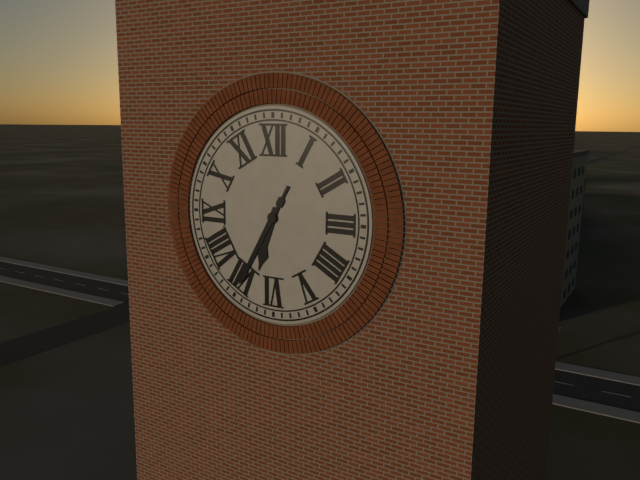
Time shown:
{"hour": 6, "minute": 35}
